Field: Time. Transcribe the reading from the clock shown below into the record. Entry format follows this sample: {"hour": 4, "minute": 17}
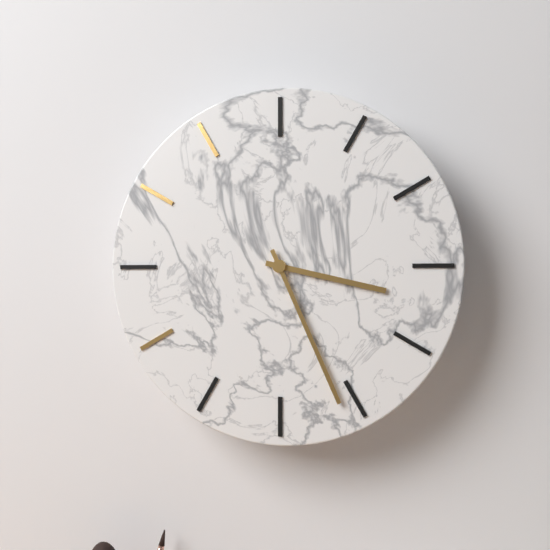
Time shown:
{"hour": 3, "minute": 26}
